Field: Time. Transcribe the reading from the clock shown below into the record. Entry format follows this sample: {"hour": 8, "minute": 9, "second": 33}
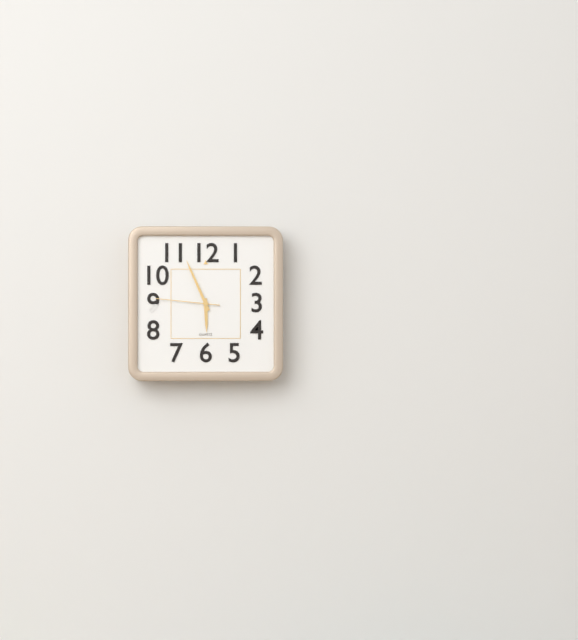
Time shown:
{"hour": 5, "minute": 56, "second": 46}
